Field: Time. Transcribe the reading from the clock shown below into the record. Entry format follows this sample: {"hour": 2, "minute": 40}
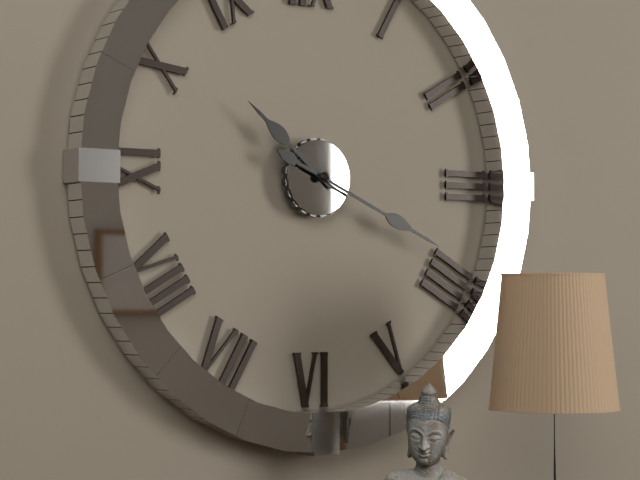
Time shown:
{"hour": 10, "minute": 19}
